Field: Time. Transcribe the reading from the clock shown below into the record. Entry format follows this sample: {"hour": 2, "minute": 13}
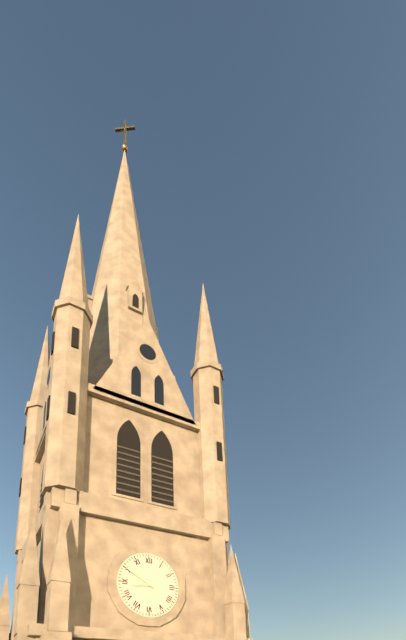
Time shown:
{"hour": 8, "minute": 50}
